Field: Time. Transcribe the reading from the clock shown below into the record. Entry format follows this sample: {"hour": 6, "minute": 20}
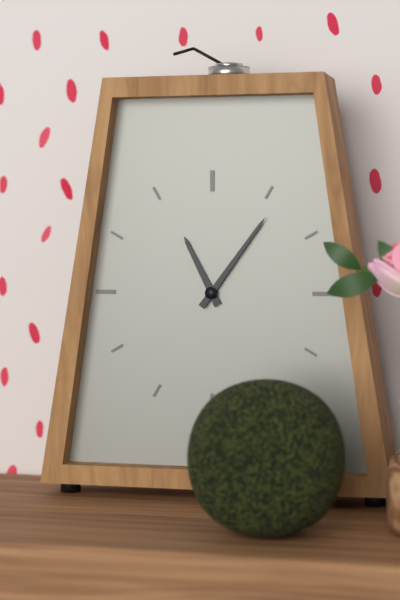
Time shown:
{"hour": 11, "minute": 6}
